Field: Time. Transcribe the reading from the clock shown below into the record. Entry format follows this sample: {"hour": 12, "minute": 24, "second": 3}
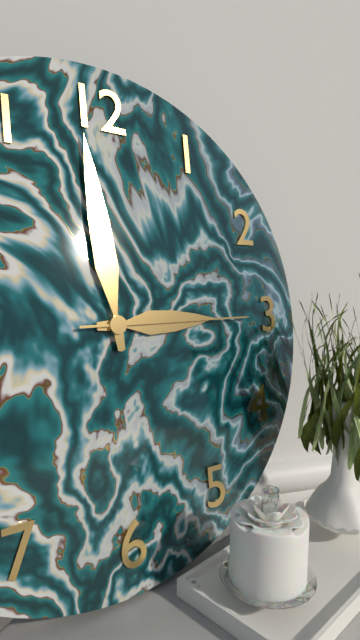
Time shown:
{"hour": 2, "minute": 59, "second": 15}
